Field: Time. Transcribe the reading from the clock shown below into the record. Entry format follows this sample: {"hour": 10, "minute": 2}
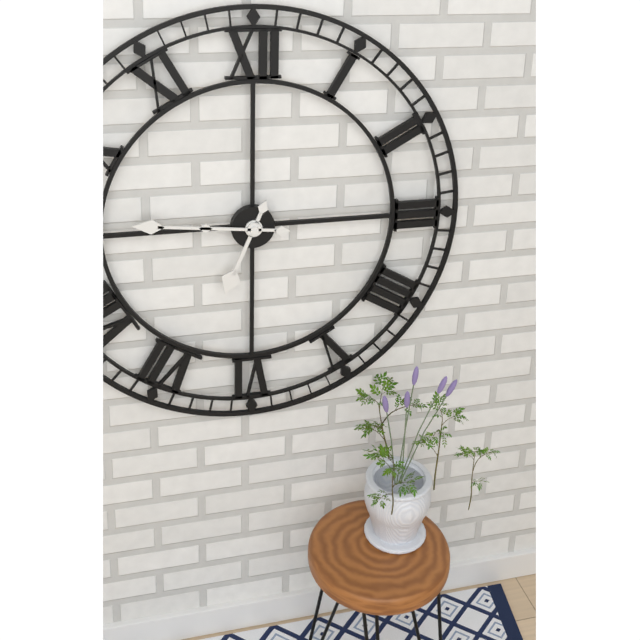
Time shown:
{"hour": 6, "minute": 46}
